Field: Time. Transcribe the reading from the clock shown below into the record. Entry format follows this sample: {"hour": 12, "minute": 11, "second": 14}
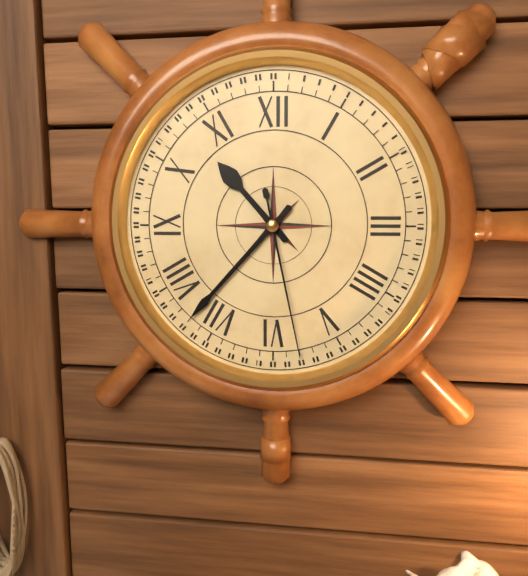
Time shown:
{"hour": 10, "minute": 37, "second": 28}
